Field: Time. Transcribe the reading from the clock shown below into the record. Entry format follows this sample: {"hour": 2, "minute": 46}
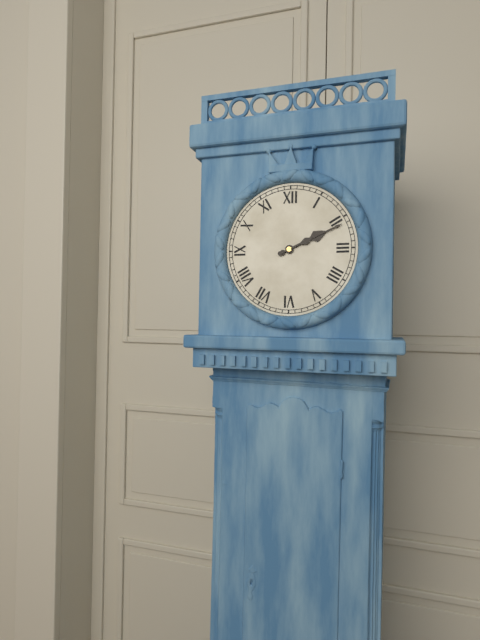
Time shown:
{"hour": 2, "minute": 11}
